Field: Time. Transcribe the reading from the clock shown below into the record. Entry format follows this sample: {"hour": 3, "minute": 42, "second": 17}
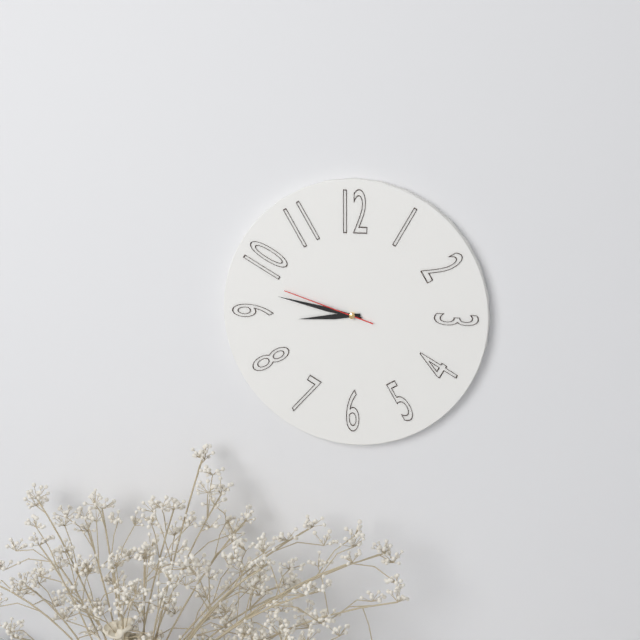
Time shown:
{"hour": 8, "minute": 47, "second": 48}
